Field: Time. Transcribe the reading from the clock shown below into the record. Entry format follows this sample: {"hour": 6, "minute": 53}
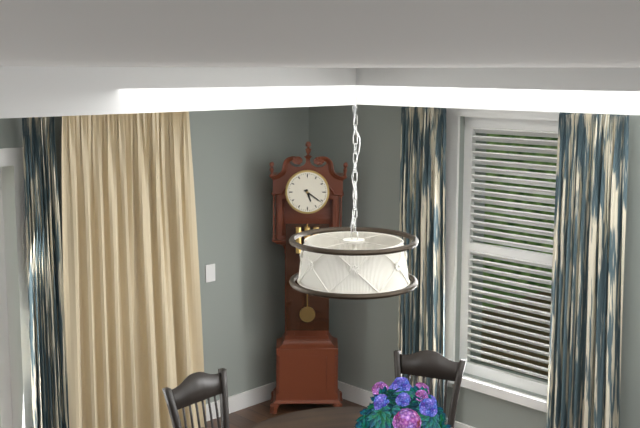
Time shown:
{"hour": 5, "minute": 21}
